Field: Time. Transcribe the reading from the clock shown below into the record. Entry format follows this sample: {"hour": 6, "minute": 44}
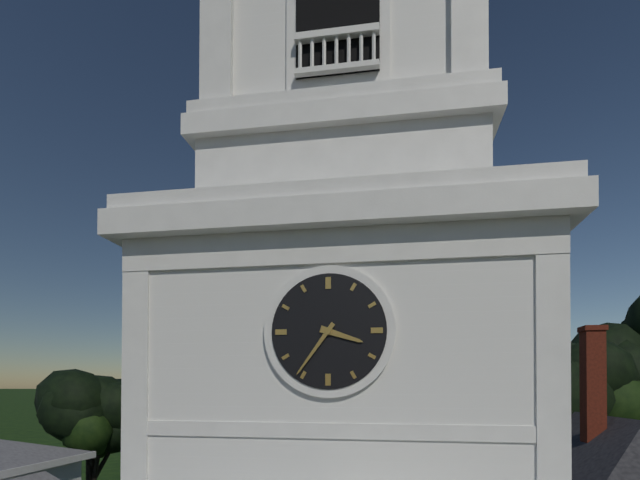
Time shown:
{"hour": 3, "minute": 36}
